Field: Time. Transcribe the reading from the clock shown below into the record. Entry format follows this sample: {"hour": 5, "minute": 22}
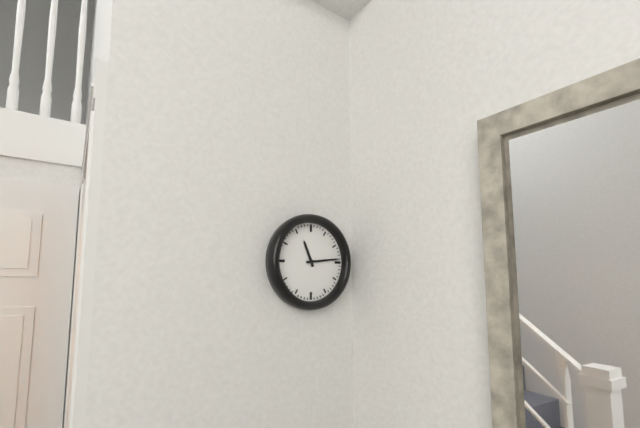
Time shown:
{"hour": 11, "minute": 14}
